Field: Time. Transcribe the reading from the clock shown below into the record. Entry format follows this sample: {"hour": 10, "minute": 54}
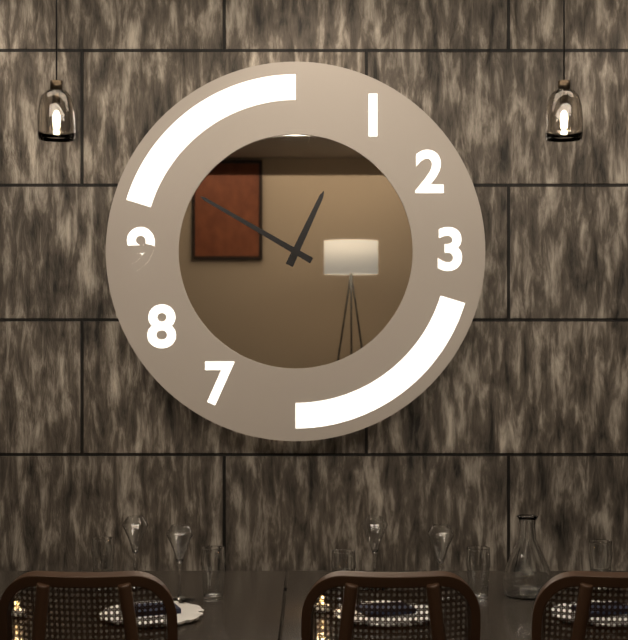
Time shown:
{"hour": 12, "minute": 50}
